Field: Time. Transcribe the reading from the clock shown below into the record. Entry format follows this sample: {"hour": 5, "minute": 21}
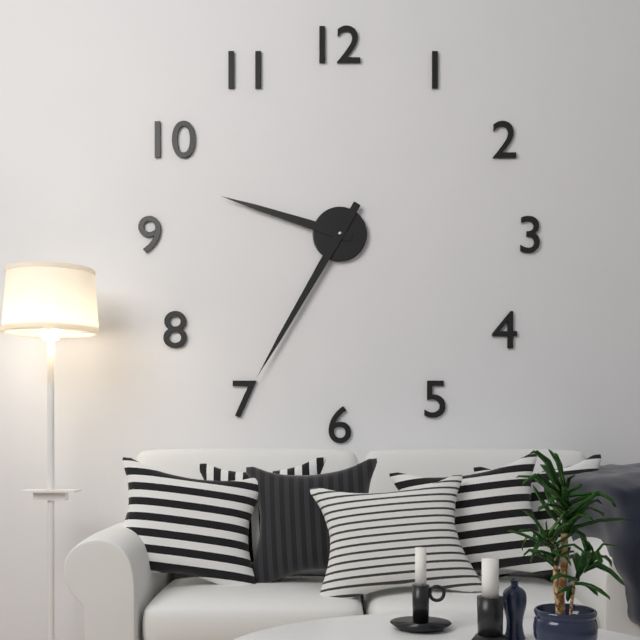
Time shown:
{"hour": 9, "minute": 35}
